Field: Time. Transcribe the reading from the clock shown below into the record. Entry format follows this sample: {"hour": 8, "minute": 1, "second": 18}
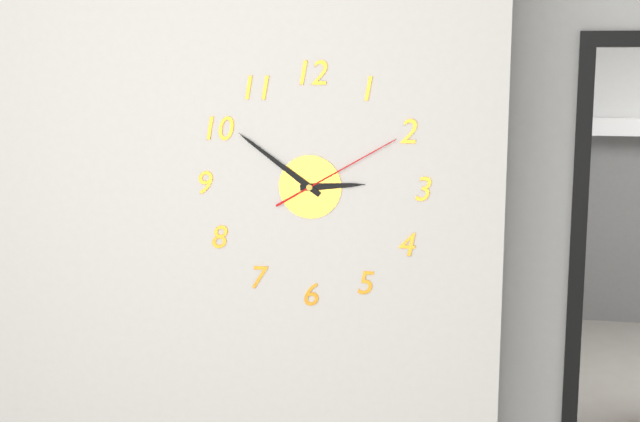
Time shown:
{"hour": 2, "minute": 51, "second": 10}
